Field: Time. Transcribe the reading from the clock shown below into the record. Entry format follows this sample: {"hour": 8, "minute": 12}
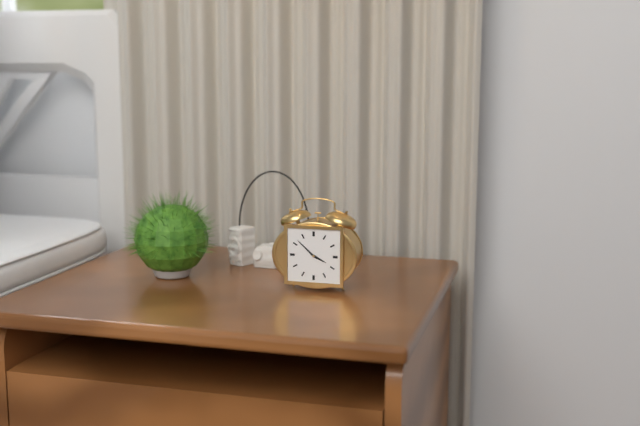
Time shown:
{"hour": 3, "minute": 52}
